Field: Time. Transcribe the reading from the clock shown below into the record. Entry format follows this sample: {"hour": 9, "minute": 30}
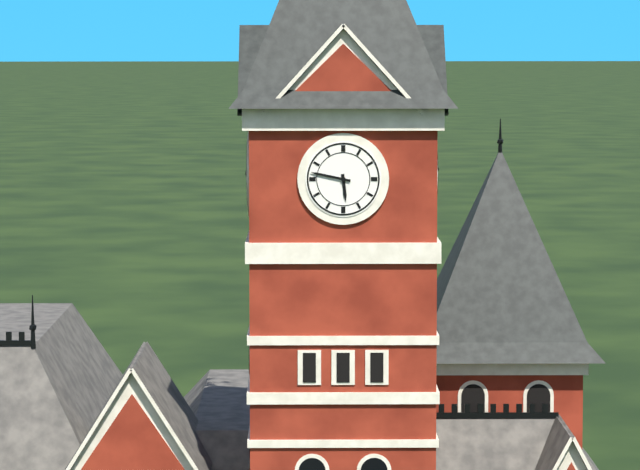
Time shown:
{"hour": 5, "minute": 47}
